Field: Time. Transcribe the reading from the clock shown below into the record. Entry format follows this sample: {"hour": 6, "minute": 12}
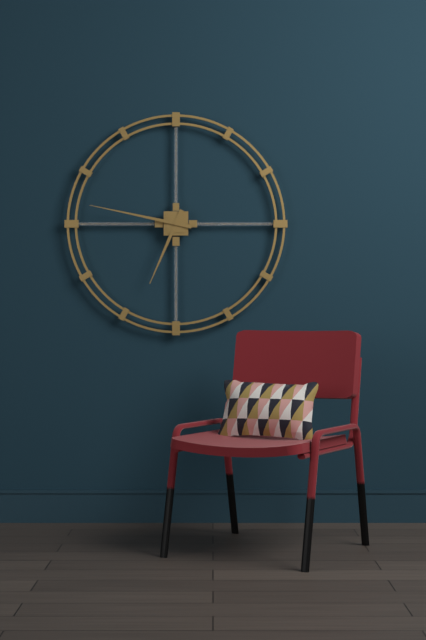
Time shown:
{"hour": 6, "minute": 47}
